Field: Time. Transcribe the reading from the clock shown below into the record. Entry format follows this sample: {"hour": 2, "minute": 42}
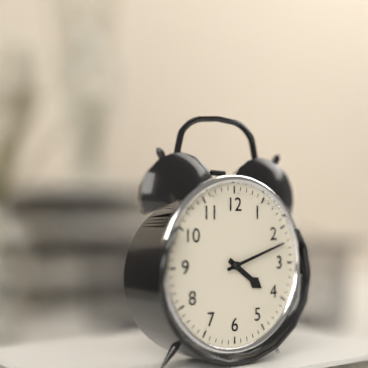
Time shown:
{"hour": 4, "minute": 12}
